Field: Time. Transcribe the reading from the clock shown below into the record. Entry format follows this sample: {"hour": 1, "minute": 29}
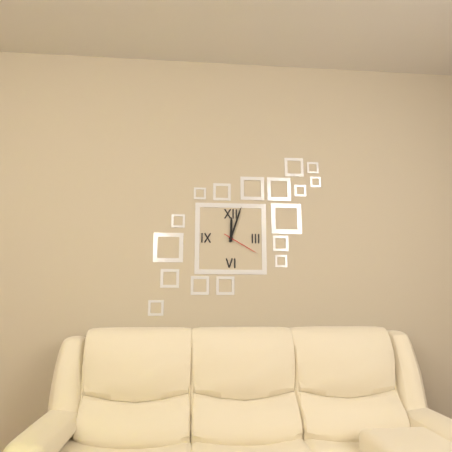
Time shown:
{"hour": 12, "minute": 3}
